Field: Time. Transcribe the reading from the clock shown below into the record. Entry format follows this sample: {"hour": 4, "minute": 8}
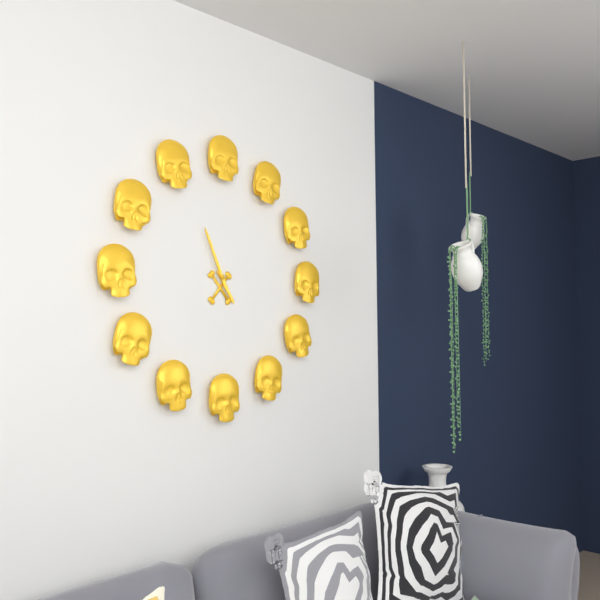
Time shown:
{"hour": 4, "minute": 56}
